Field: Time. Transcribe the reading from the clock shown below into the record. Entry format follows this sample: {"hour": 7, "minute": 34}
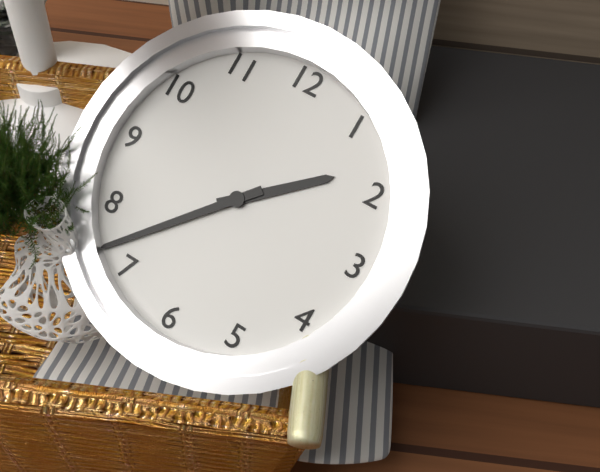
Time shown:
{"hour": 1, "minute": 37}
